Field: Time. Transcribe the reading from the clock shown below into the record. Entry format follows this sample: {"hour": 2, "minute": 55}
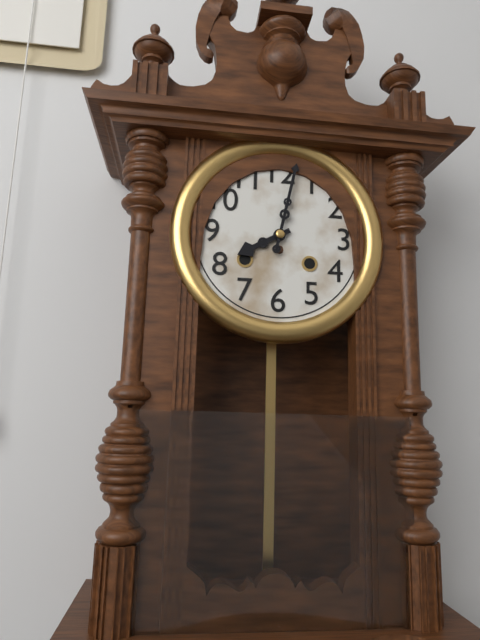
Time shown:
{"hour": 8, "minute": 2}
